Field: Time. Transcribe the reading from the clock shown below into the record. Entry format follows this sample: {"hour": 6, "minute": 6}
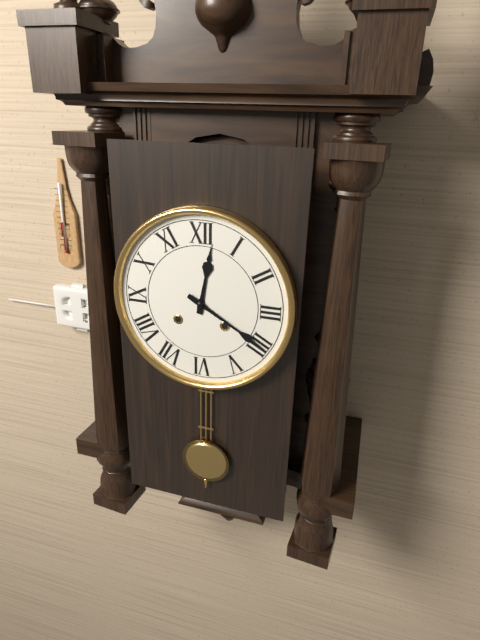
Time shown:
{"hour": 12, "minute": 20}
